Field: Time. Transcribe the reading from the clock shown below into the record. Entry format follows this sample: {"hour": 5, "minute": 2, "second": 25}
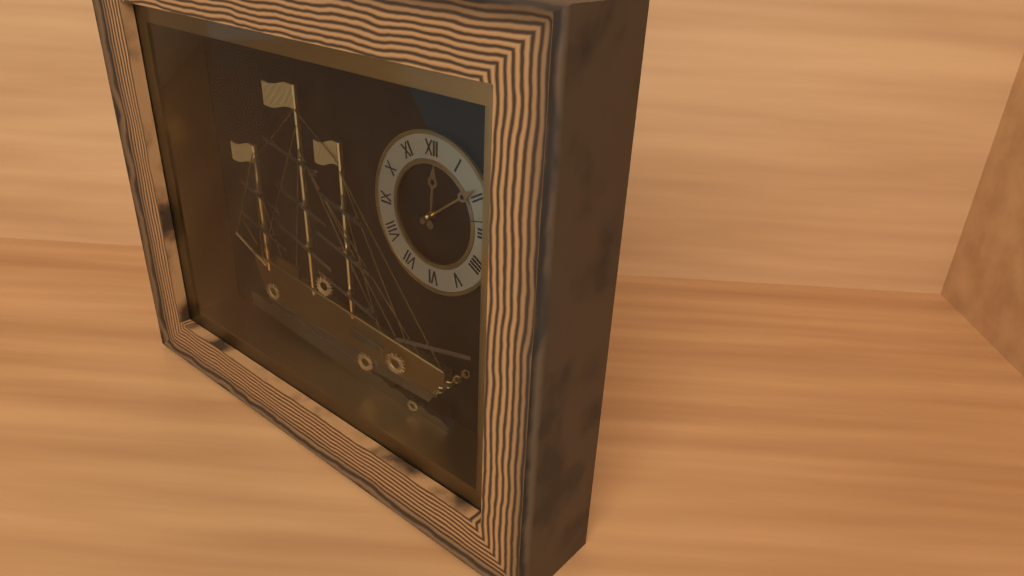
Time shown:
{"hour": 12, "minute": 9, "second": 13}
